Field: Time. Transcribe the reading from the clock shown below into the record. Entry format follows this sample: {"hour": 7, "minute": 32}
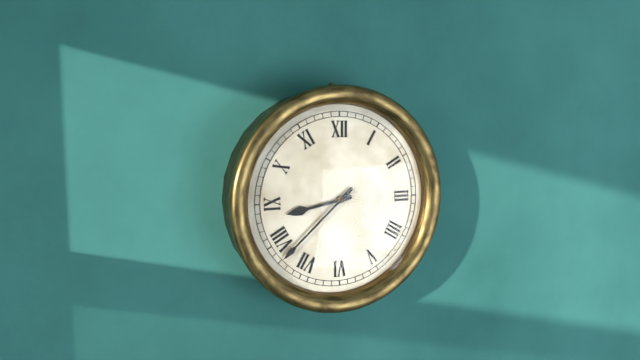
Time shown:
{"hour": 8, "minute": 38}
